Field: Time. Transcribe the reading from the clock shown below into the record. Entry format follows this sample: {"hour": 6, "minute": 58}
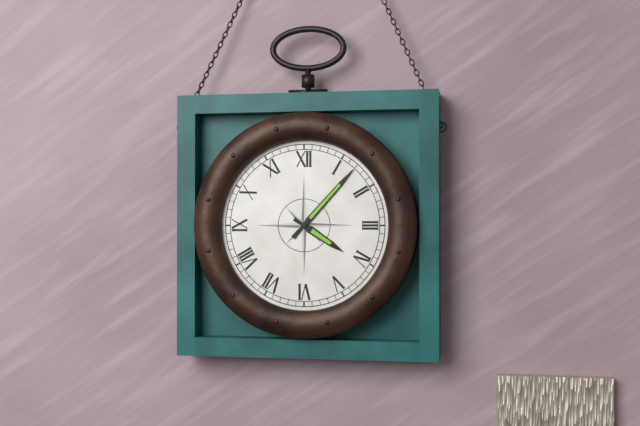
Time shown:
{"hour": 4, "minute": 7}
